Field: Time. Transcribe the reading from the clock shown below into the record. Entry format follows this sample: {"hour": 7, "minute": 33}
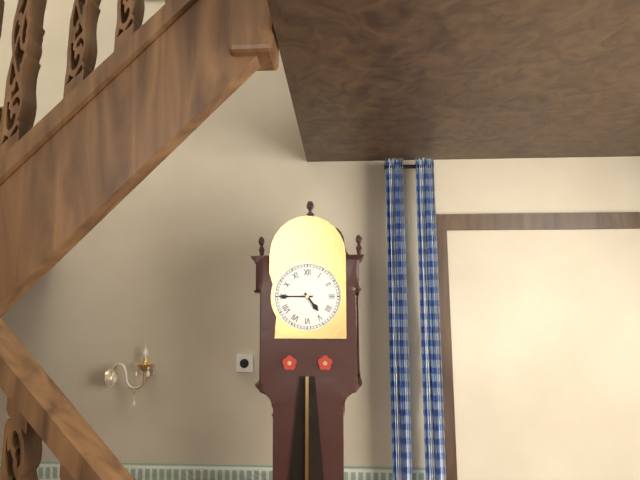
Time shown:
{"hour": 4, "minute": 45}
